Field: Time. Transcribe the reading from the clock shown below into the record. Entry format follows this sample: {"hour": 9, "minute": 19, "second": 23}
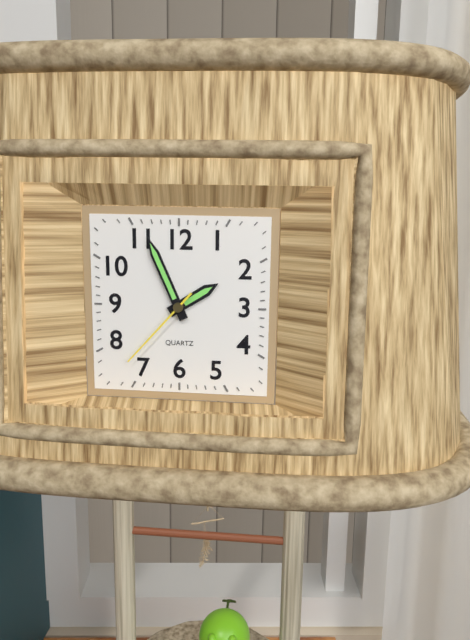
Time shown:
{"hour": 1, "minute": 56, "second": 37}
